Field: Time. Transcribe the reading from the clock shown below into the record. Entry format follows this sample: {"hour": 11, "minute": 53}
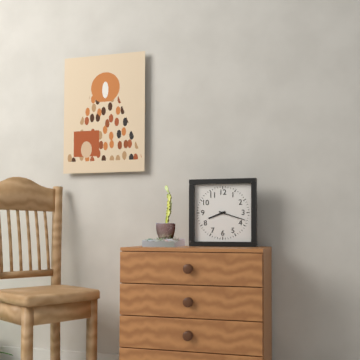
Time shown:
{"hour": 8, "minute": 18}
